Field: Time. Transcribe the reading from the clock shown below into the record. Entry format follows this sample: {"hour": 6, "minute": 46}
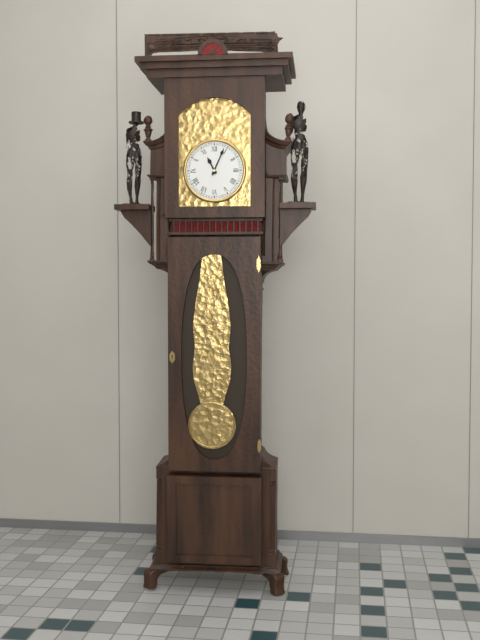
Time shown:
{"hour": 11, "minute": 4}
